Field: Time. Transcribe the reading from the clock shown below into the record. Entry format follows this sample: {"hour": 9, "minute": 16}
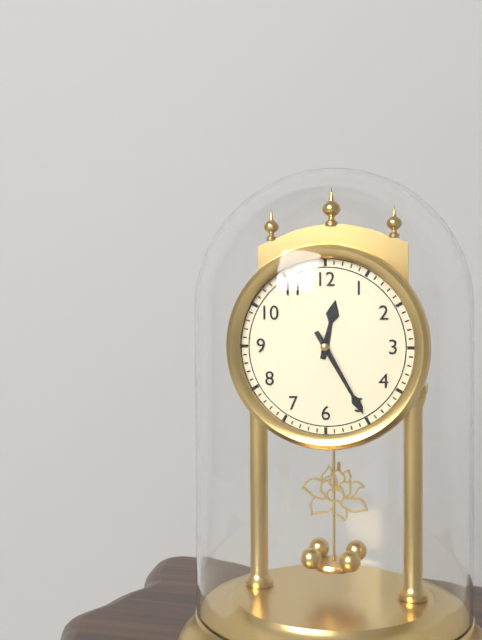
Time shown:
{"hour": 12, "minute": 25}
